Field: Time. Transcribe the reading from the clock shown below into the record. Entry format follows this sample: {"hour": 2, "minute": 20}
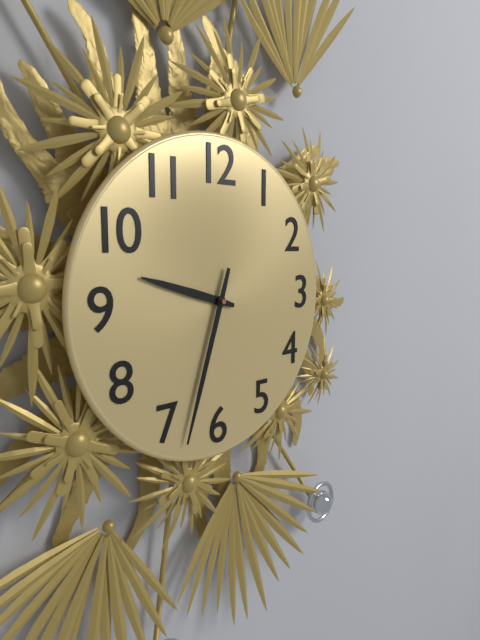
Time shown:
{"hour": 9, "minute": 33}
